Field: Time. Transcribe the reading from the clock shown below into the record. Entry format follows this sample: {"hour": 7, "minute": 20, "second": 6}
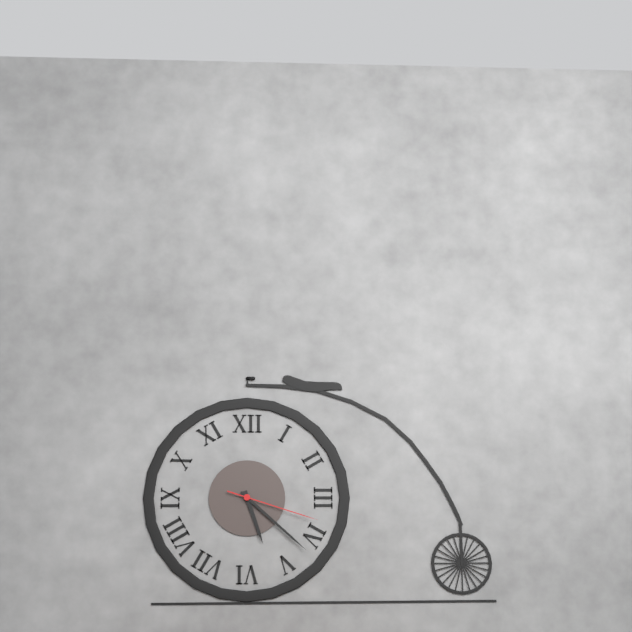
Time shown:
{"hour": 5, "minute": 22, "second": 18}
